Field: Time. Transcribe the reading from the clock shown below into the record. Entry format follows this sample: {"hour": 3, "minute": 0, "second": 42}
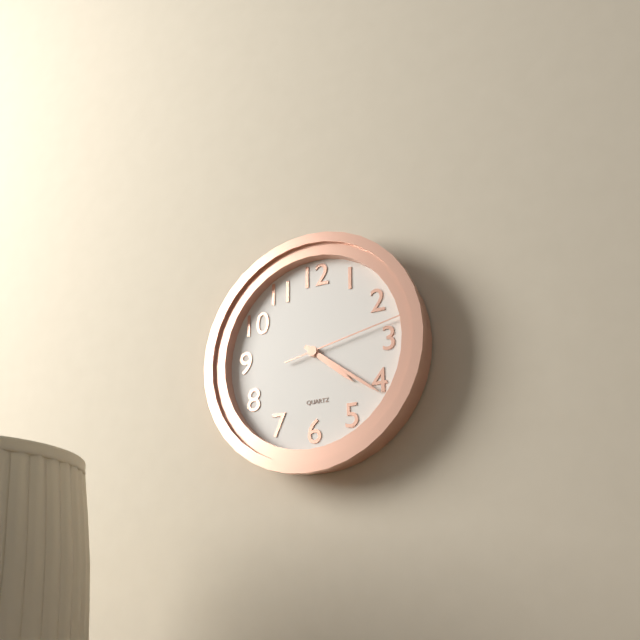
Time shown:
{"hour": 4, "minute": 21, "second": 13}
